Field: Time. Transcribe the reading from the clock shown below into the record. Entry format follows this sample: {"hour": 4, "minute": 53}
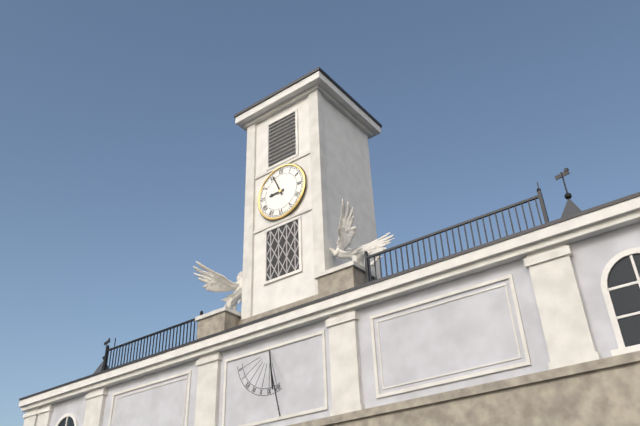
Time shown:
{"hour": 8, "minute": 56}
